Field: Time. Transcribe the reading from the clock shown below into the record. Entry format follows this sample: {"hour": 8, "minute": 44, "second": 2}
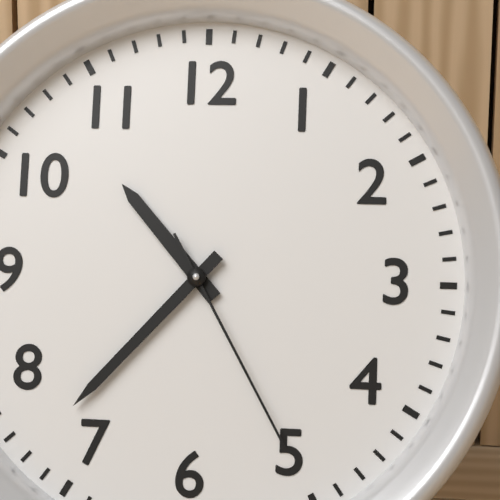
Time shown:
{"hour": 10, "minute": 37, "second": 25}
